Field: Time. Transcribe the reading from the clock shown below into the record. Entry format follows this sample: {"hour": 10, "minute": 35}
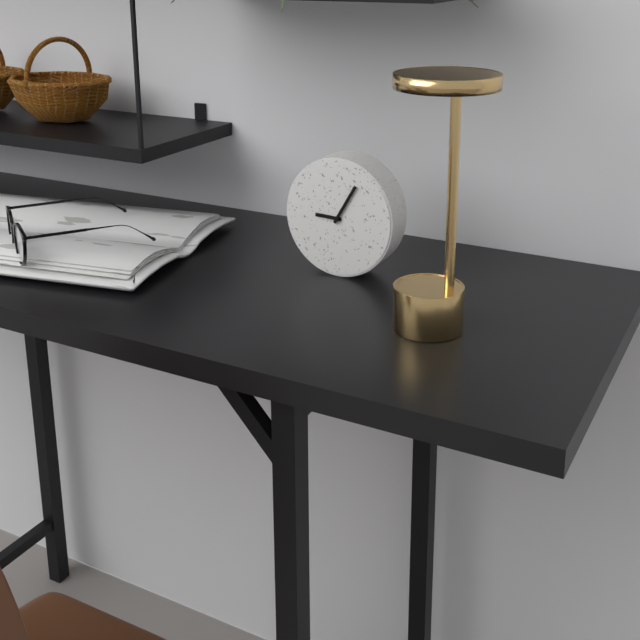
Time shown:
{"hour": 9, "minute": 5}
